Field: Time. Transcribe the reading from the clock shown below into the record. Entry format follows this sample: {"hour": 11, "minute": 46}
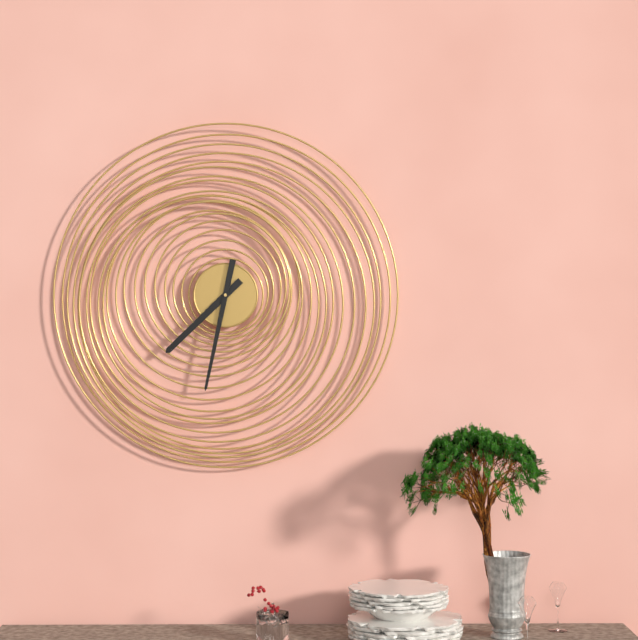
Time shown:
{"hour": 7, "minute": 32}
